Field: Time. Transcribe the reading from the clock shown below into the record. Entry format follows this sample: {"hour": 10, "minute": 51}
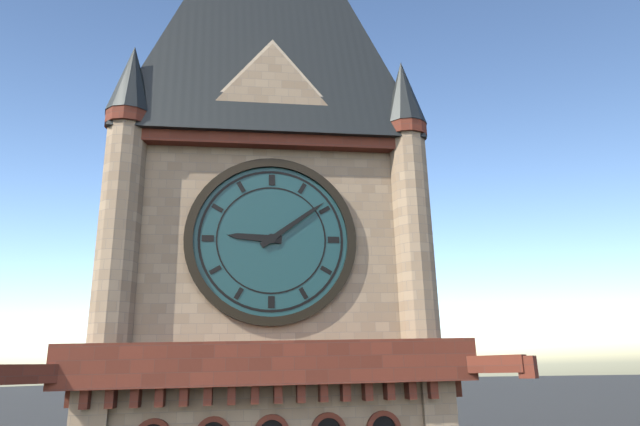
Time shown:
{"hour": 9, "minute": 9}
